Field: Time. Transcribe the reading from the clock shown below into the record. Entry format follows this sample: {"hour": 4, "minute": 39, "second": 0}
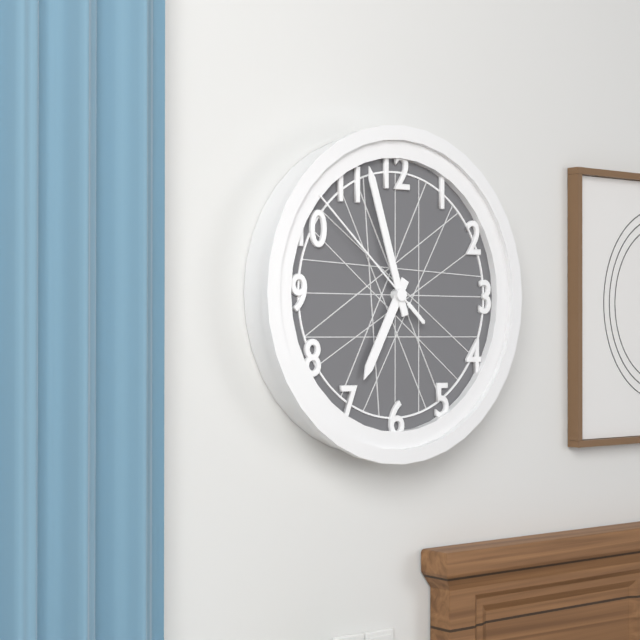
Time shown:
{"hour": 6, "minute": 57, "second": 52}
